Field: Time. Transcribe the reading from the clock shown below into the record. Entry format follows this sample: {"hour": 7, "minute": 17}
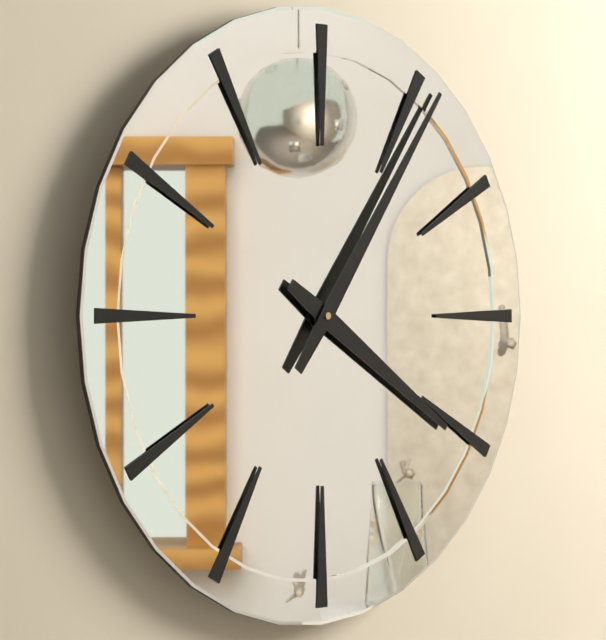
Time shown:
{"hour": 4, "minute": 6}
